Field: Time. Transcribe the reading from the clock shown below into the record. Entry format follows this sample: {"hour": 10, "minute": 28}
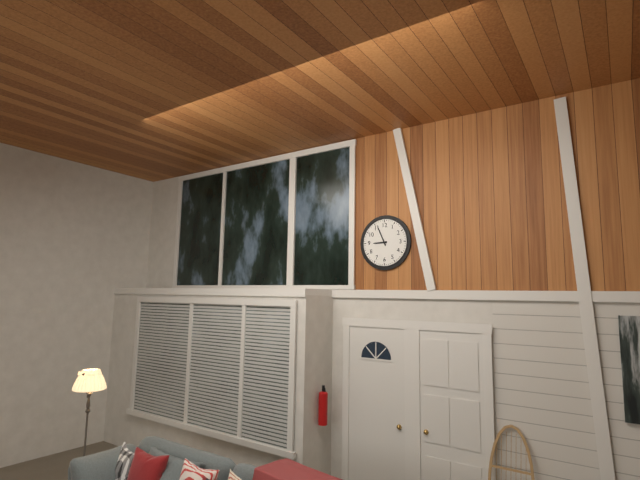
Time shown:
{"hour": 8, "minute": 56}
